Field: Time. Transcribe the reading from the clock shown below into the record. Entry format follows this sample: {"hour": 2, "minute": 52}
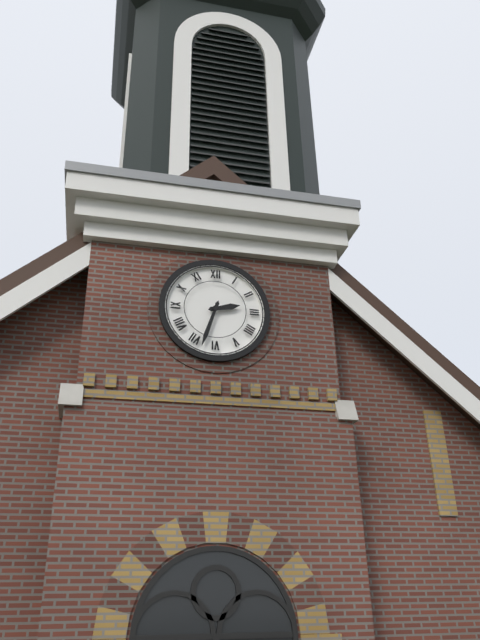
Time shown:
{"hour": 2, "minute": 33}
